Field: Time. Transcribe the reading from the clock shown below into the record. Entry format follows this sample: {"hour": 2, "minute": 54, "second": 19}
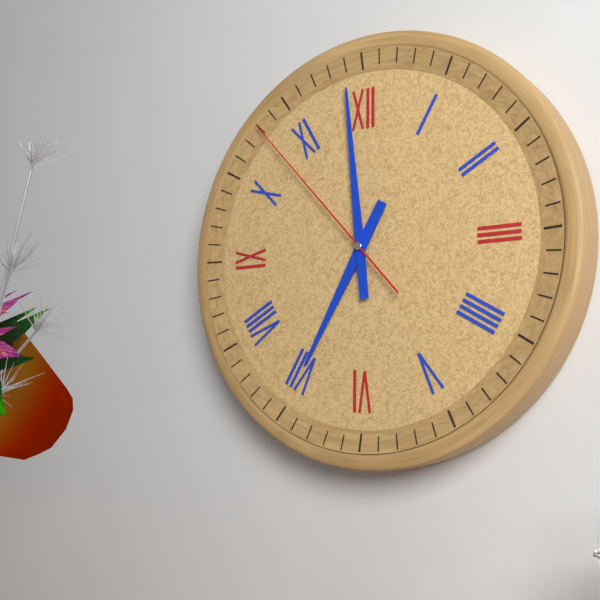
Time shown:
{"hour": 6, "minute": 59, "second": 53}
